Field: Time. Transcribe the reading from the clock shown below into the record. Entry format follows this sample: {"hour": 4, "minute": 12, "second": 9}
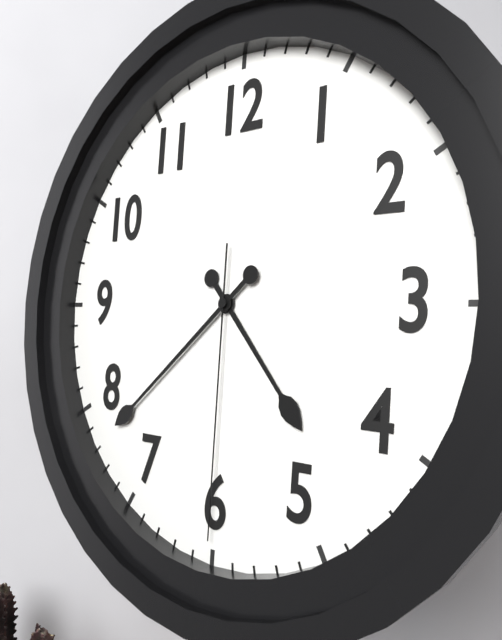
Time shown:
{"hour": 4, "minute": 38, "second": 30}
